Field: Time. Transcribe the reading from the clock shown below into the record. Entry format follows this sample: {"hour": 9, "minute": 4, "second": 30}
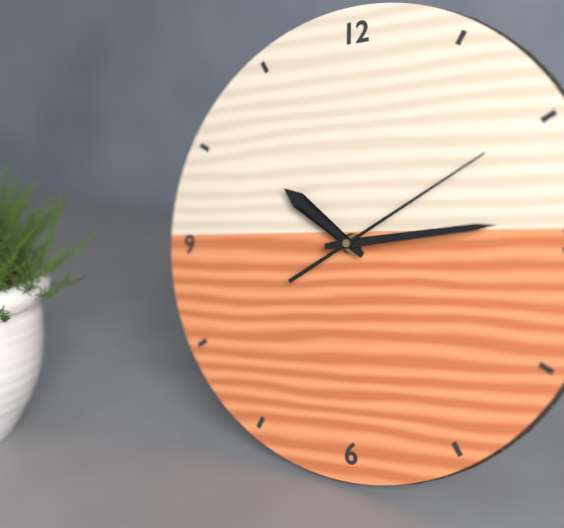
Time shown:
{"hour": 10, "minute": 14, "second": 10}
